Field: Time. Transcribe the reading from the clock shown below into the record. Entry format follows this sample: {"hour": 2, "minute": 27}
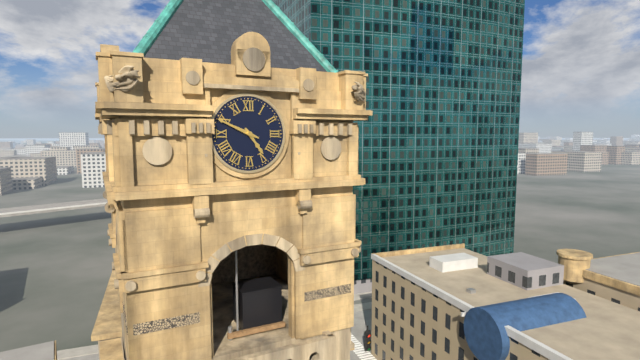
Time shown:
{"hour": 4, "minute": 49}
